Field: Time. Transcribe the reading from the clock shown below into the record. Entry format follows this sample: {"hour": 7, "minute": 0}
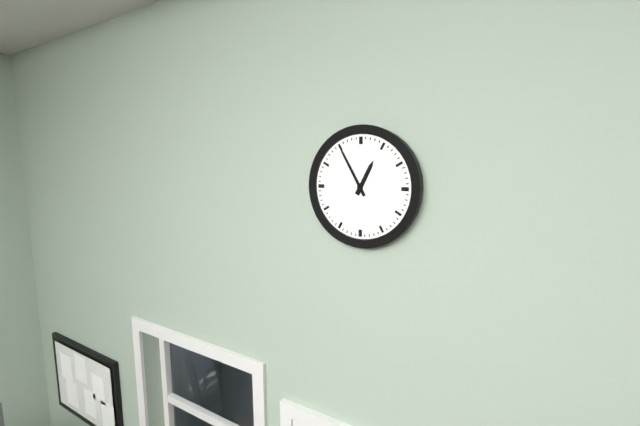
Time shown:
{"hour": 12, "minute": 55}
